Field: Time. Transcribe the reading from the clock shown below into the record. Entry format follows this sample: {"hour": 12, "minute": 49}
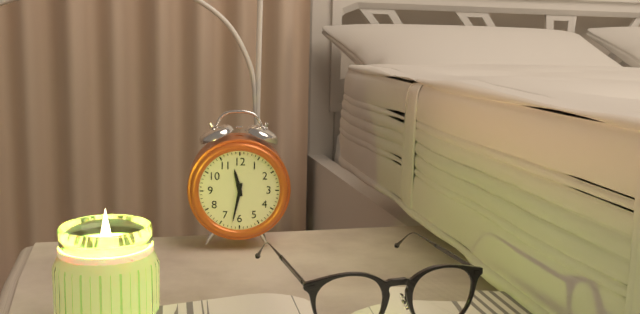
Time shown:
{"hour": 11, "minute": 32}
